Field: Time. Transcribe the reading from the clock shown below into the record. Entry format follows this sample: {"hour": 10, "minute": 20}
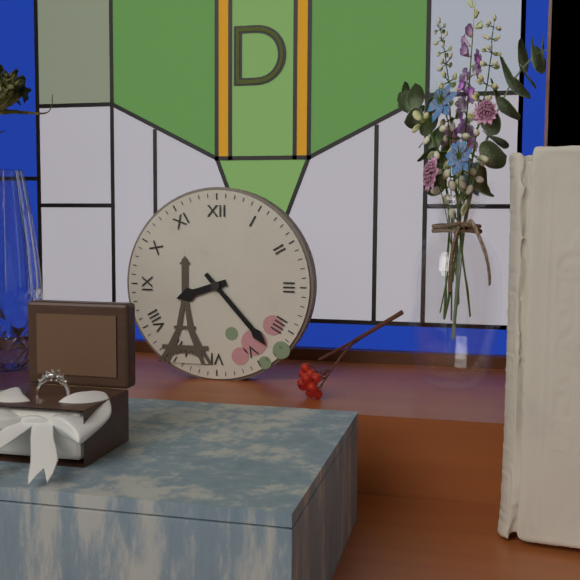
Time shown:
{"hour": 8, "minute": 23}
